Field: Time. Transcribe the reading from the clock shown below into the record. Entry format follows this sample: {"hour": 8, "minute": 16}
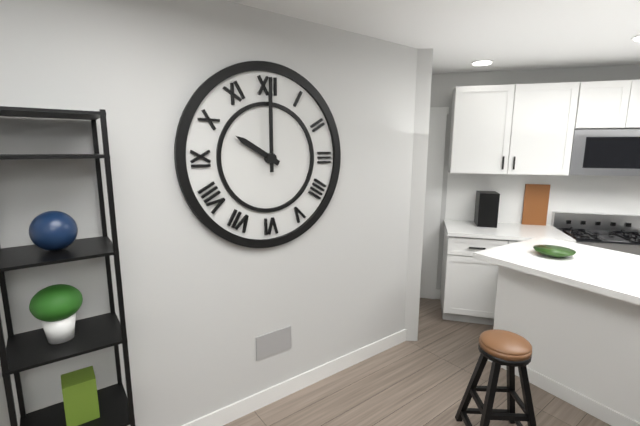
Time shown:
{"hour": 10, "minute": 0}
